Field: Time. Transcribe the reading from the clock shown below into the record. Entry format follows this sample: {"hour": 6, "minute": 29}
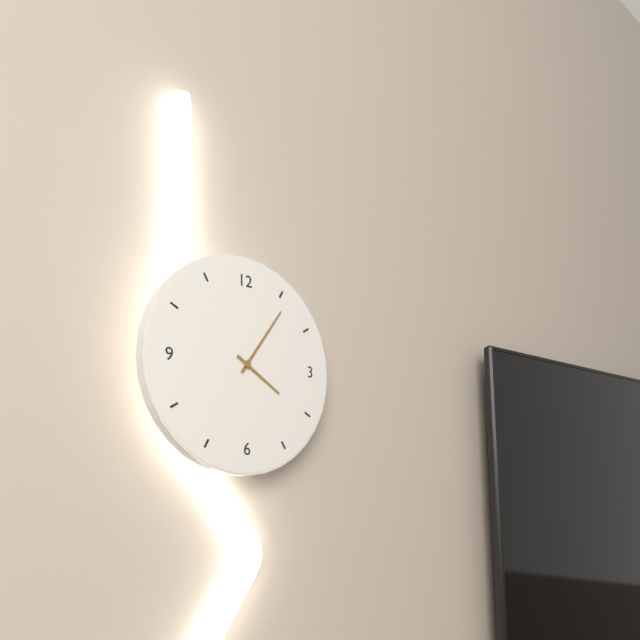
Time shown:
{"hour": 4, "minute": 6}
